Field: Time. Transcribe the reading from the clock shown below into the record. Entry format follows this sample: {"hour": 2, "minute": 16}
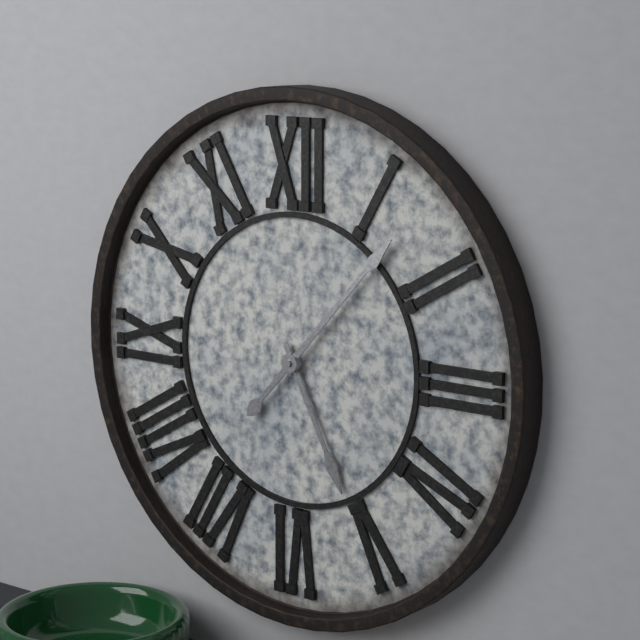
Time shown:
{"hour": 5, "minute": 7}
